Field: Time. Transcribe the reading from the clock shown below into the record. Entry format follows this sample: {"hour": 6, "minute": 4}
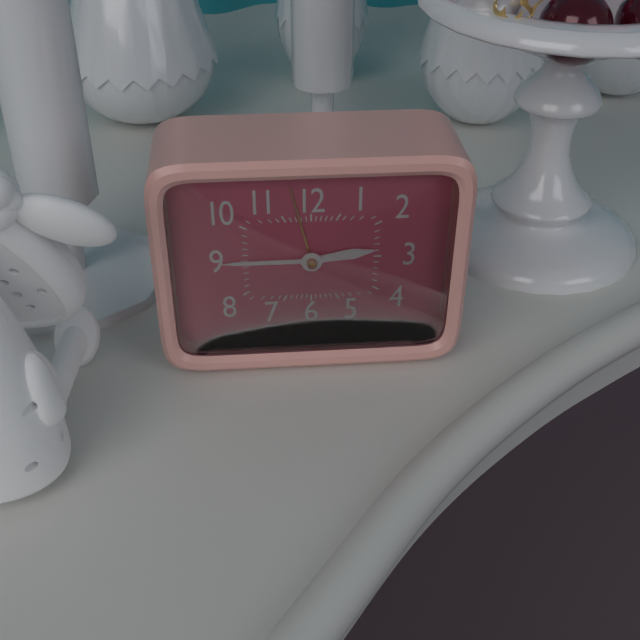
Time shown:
{"hour": 2, "minute": 45}
